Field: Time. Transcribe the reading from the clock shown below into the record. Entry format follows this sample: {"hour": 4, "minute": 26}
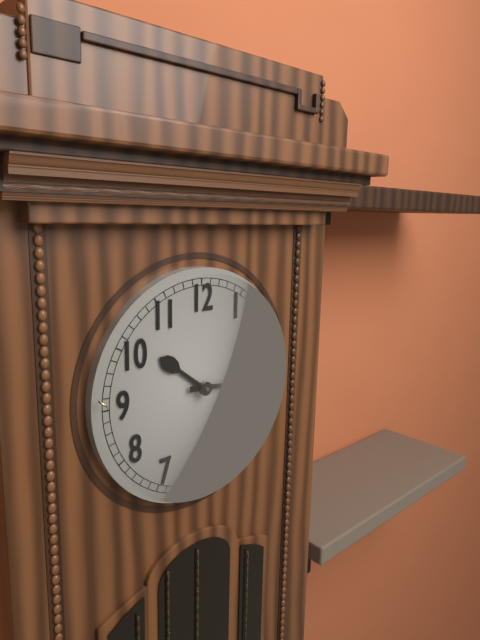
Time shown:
{"hour": 10, "minute": 16}
